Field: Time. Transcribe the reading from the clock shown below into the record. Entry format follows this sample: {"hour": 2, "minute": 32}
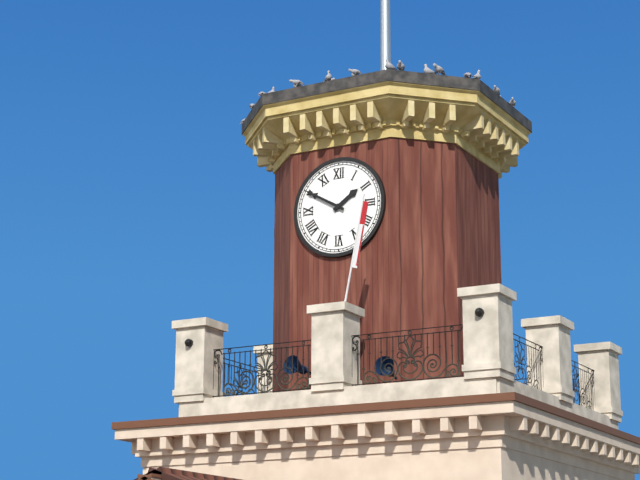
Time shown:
{"hour": 1, "minute": 50}
